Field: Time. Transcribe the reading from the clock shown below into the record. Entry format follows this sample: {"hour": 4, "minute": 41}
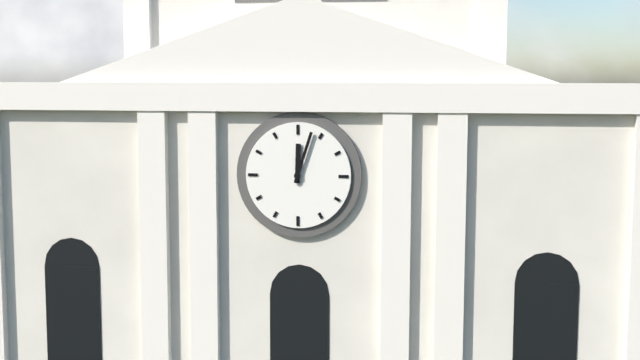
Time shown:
{"hour": 12, "minute": 3}
